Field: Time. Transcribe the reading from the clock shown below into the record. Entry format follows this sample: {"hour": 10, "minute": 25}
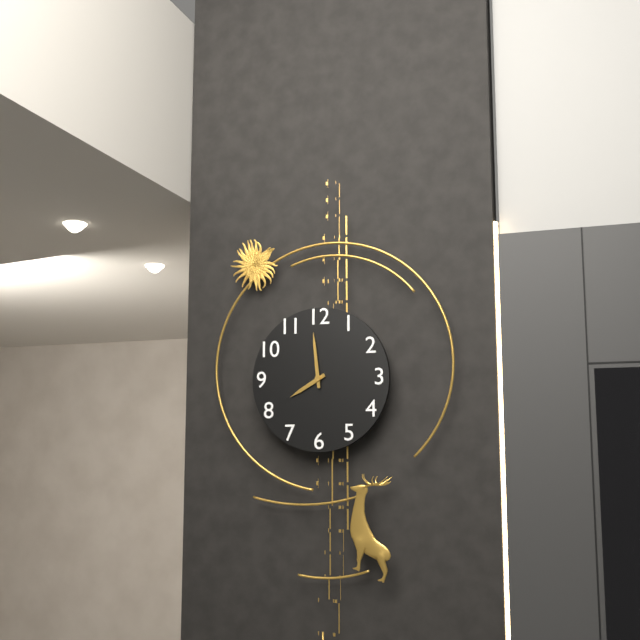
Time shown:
{"hour": 7, "minute": 59}
